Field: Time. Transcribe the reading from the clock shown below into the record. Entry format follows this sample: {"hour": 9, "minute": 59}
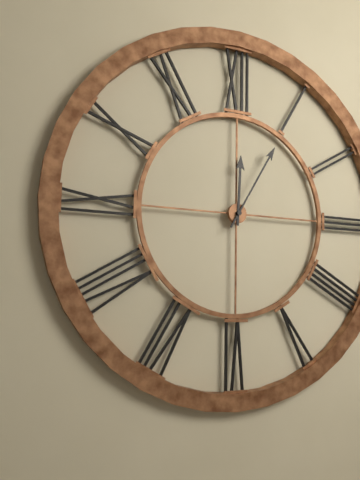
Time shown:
{"hour": 12, "minute": 5}
